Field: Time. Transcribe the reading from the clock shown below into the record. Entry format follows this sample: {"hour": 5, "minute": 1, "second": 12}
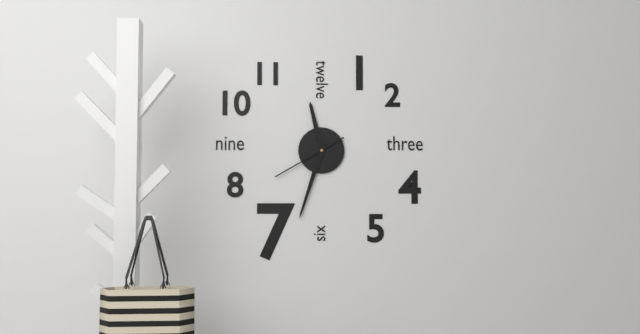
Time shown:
{"hour": 11, "minute": 33, "second": 40}
